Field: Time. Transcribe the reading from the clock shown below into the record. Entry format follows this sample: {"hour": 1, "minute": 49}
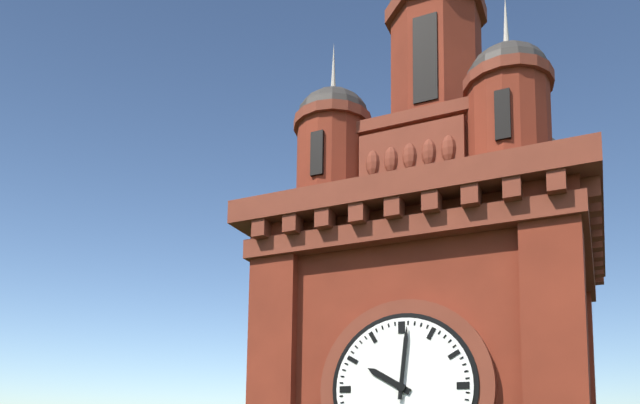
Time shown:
{"hour": 10, "minute": 1}
